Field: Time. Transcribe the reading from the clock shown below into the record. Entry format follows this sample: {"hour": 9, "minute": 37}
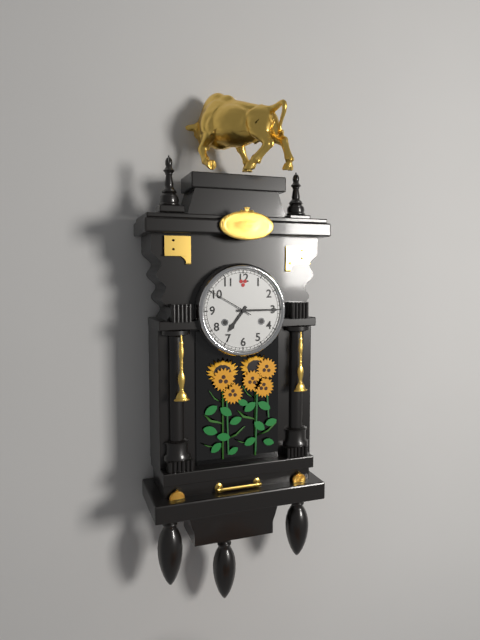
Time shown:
{"hour": 7, "minute": 15}
